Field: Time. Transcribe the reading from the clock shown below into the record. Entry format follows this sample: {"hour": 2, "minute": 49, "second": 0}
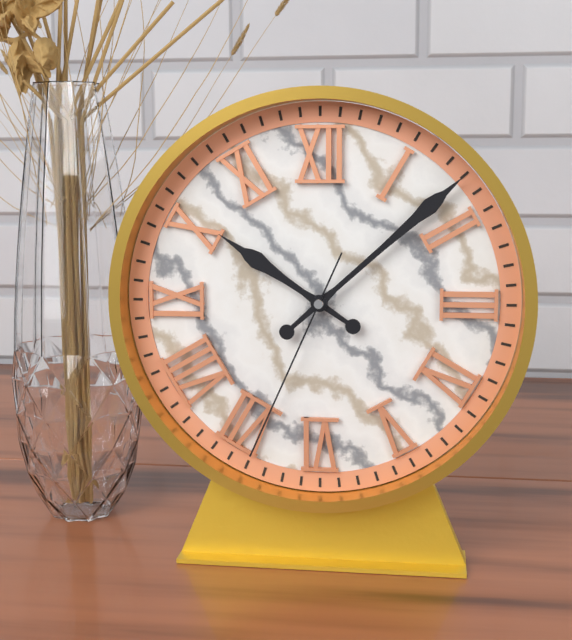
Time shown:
{"hour": 10, "minute": 8, "second": 34}
